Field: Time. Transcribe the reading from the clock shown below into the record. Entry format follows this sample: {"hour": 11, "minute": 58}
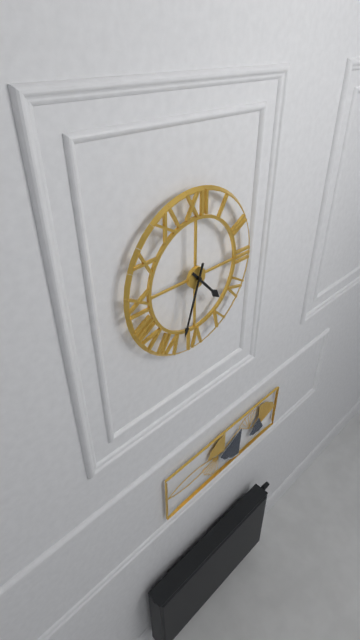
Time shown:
{"hour": 4, "minute": 33}
